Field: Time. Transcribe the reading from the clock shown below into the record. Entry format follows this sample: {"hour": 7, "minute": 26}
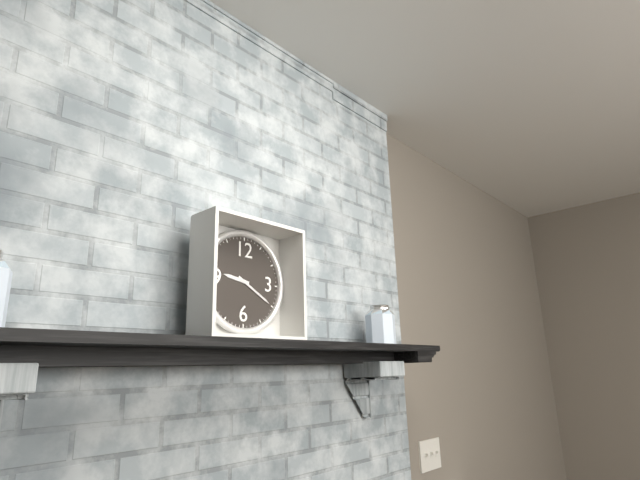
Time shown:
{"hour": 9, "minute": 20}
